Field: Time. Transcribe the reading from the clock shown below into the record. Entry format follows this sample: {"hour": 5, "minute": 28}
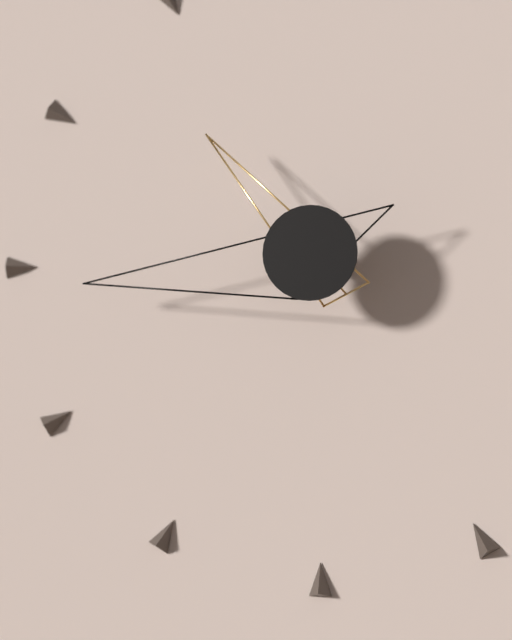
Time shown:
{"hour": 10, "minute": 44}
